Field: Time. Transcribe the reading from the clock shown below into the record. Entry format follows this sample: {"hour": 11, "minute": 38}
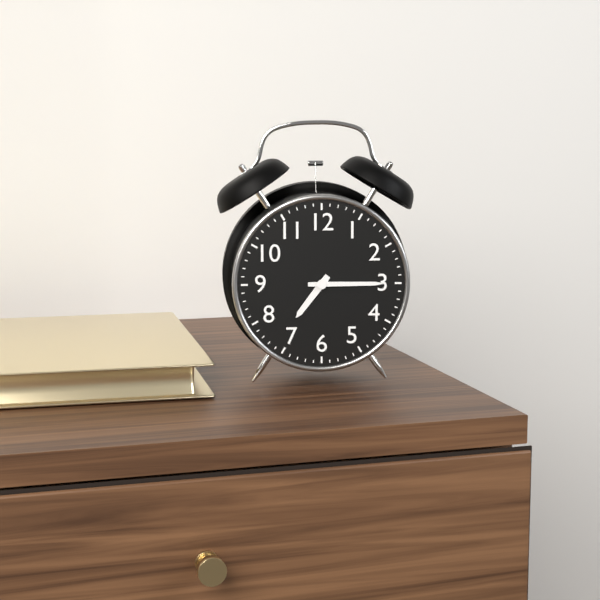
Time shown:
{"hour": 7, "minute": 15}
